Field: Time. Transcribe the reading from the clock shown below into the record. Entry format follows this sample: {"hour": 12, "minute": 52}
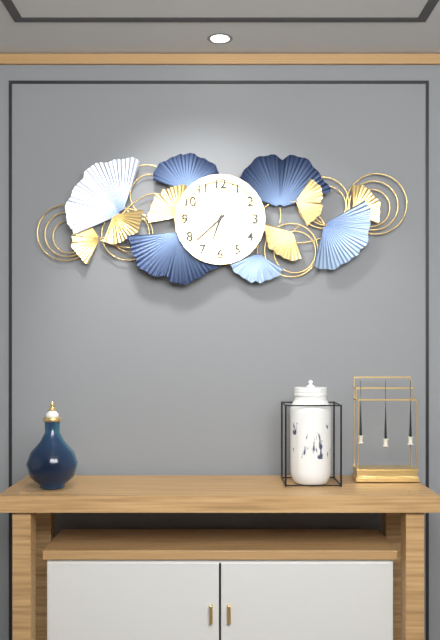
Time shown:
{"hour": 6, "minute": 38}
